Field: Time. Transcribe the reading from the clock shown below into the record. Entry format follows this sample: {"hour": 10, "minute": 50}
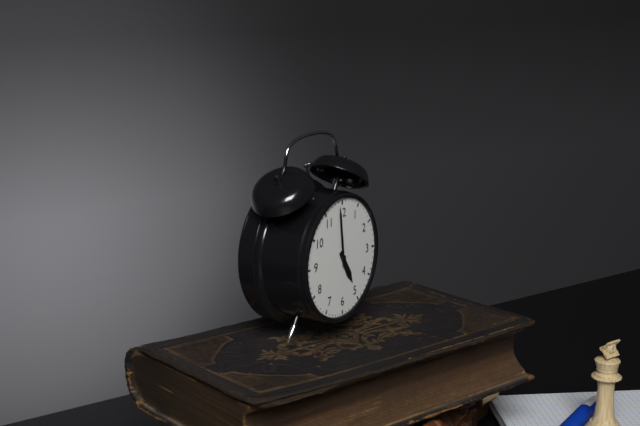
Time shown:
{"hour": 4, "minute": 59}
